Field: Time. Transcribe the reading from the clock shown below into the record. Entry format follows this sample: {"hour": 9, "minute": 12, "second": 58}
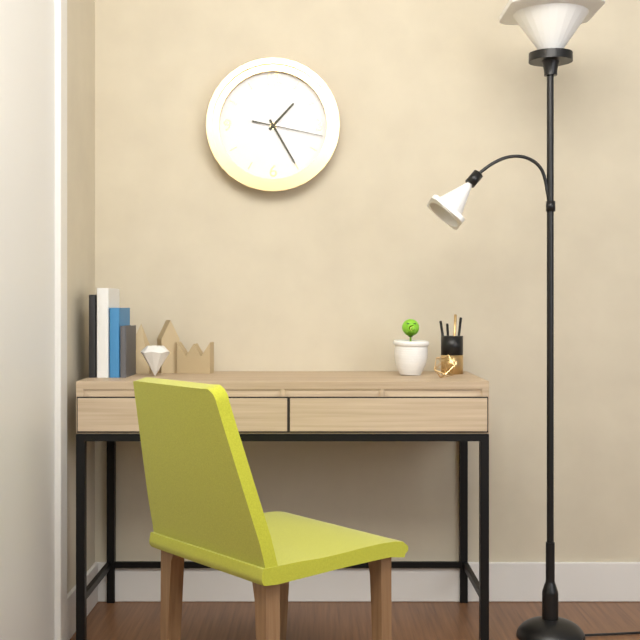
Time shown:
{"hour": 1, "minute": 25, "second": 17}
